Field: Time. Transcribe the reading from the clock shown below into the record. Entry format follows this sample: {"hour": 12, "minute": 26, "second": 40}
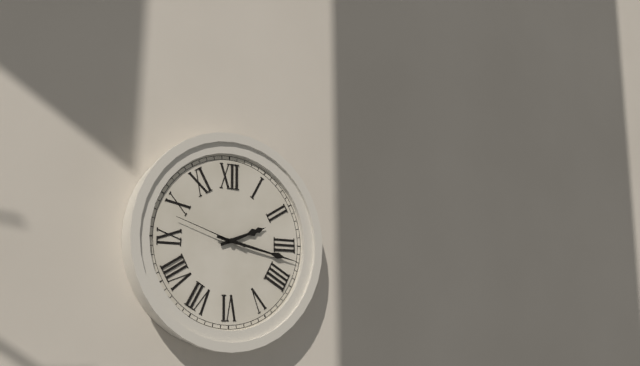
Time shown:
{"hour": 2, "minute": 17, "second": 48}
